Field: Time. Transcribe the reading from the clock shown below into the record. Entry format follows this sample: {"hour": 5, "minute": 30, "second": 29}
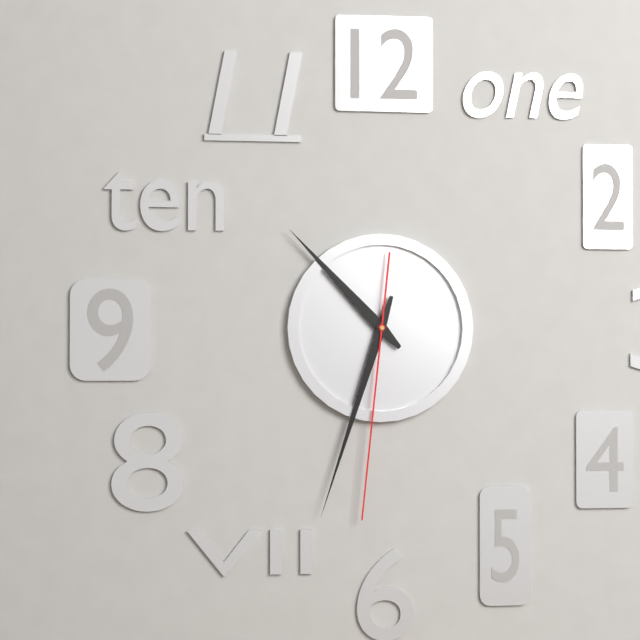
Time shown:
{"hour": 10, "minute": 33, "second": 31}
